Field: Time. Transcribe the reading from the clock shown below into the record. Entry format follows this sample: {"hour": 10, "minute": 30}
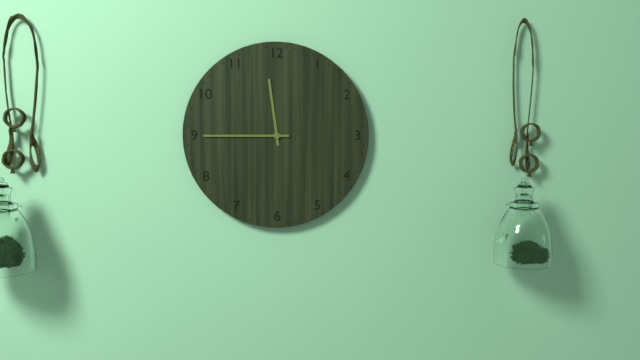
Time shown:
{"hour": 11, "minute": 45}
